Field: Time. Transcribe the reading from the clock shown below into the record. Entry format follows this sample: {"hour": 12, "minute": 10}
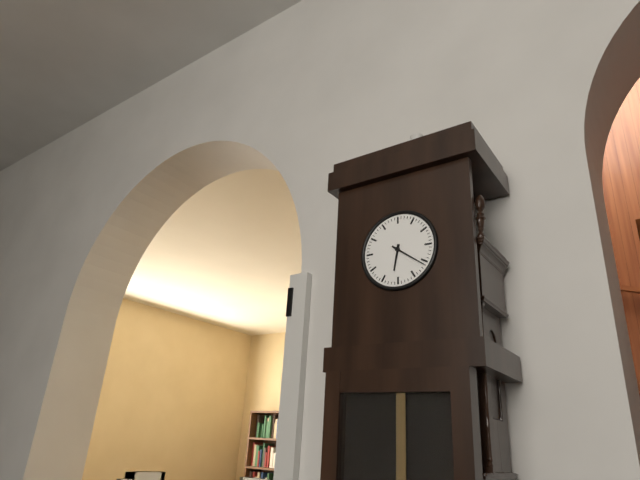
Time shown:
{"hour": 6, "minute": 21}
